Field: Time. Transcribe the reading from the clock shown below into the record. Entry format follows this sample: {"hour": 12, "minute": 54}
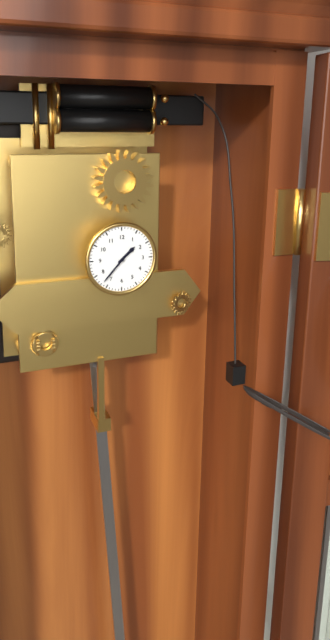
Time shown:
{"hour": 1, "minute": 37}
